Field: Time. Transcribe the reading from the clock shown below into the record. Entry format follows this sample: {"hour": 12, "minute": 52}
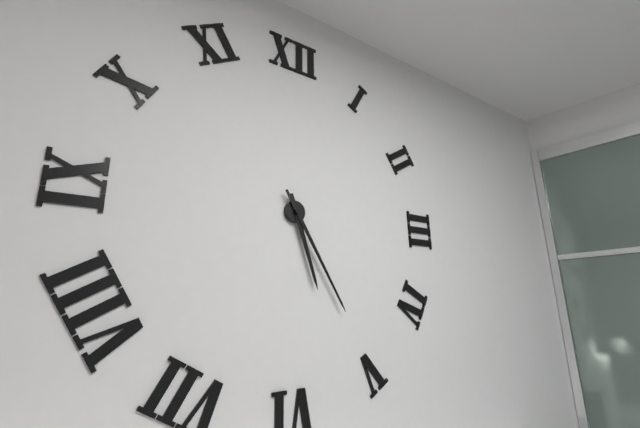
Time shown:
{"hour": 5, "minute": 25}
